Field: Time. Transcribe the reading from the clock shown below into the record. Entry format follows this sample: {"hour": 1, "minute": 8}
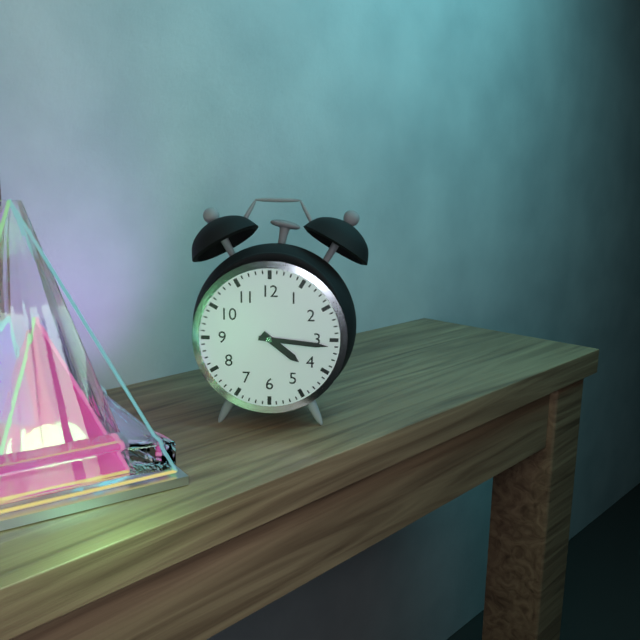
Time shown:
{"hour": 4, "minute": 16}
